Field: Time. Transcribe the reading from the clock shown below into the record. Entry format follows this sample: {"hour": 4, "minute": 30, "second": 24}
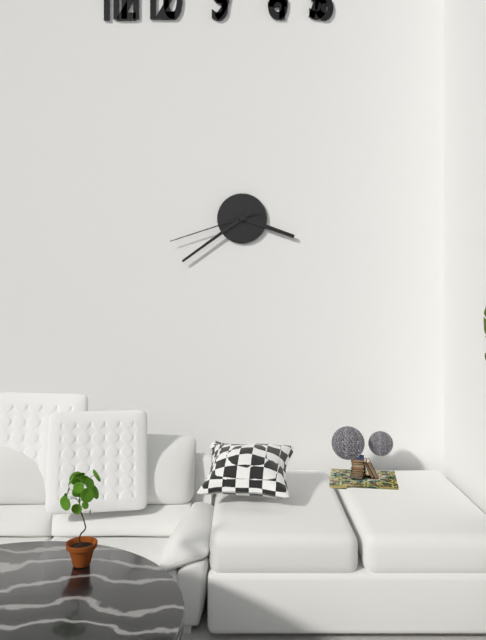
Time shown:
{"hour": 3, "minute": 39, "second": 42}
